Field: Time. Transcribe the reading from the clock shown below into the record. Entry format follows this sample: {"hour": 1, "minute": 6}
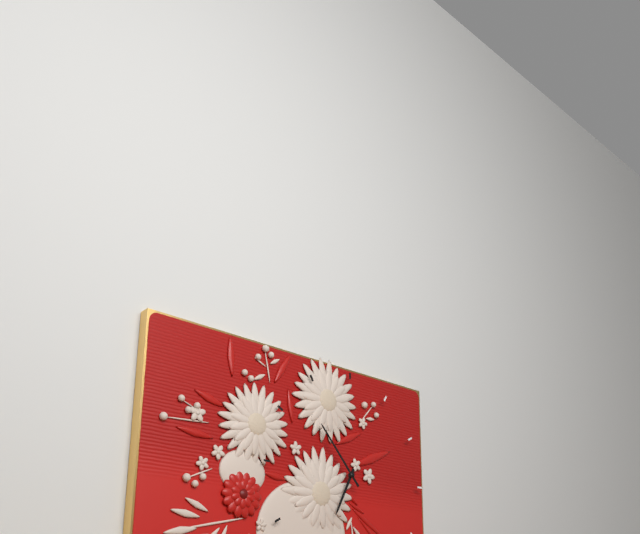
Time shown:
{"hour": 6, "minute": 53}
